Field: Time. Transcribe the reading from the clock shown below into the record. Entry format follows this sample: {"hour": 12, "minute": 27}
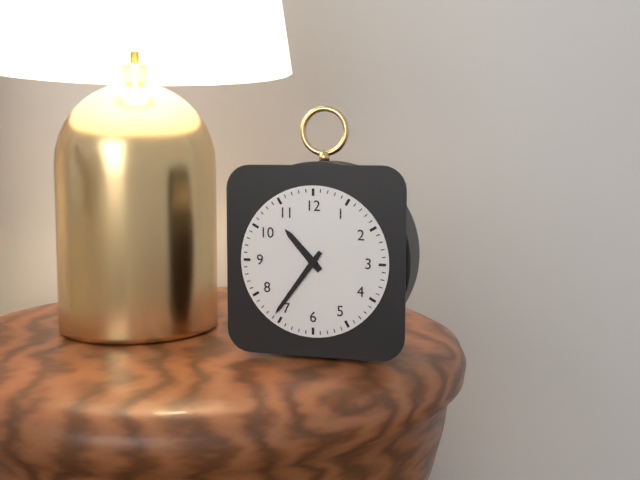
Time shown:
{"hour": 10, "minute": 36}
